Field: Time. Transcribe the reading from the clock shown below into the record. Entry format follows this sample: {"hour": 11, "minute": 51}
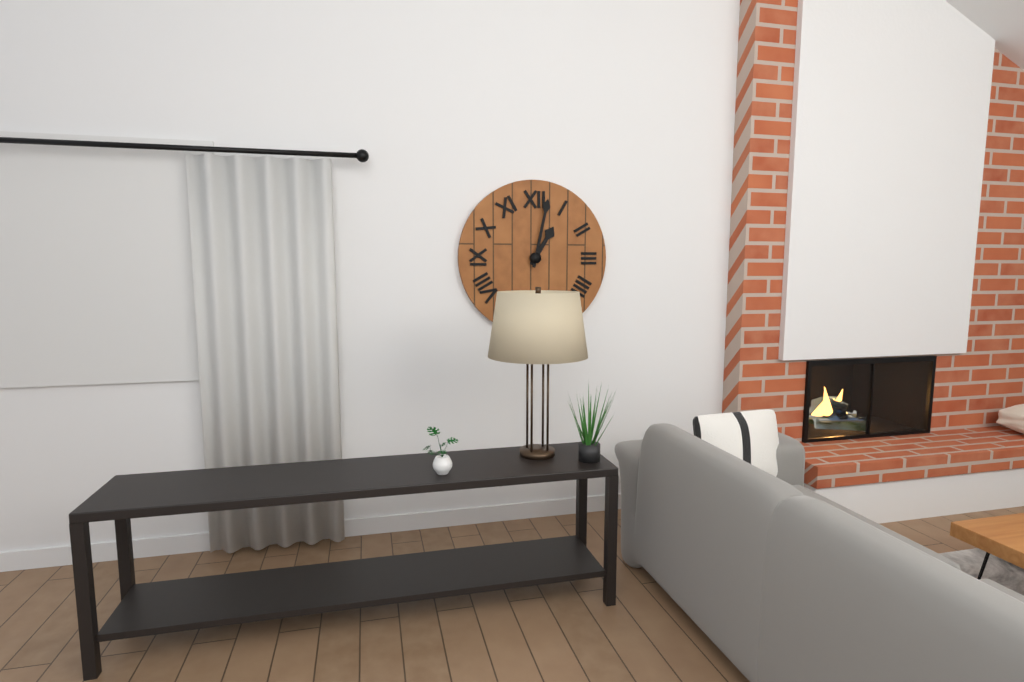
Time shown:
{"hour": 1, "minute": 2}
